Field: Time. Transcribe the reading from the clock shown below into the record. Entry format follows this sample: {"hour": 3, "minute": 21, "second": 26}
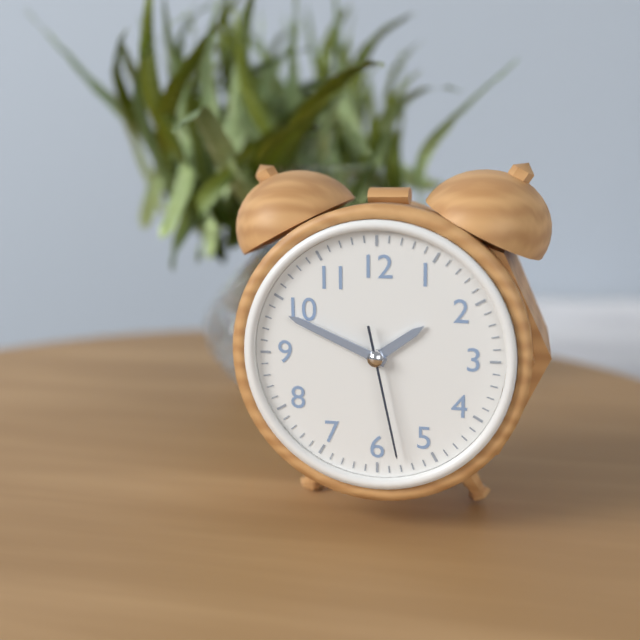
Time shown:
{"hour": 1, "minute": 49, "second": 28}
